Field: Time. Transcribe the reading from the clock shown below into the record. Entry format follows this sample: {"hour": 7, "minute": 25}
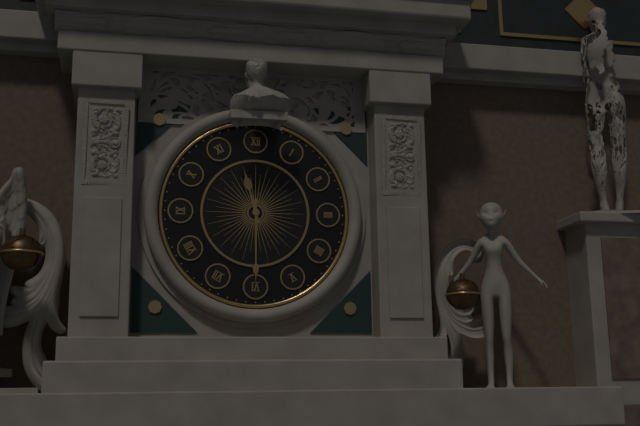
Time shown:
{"hour": 11, "minute": 30}
